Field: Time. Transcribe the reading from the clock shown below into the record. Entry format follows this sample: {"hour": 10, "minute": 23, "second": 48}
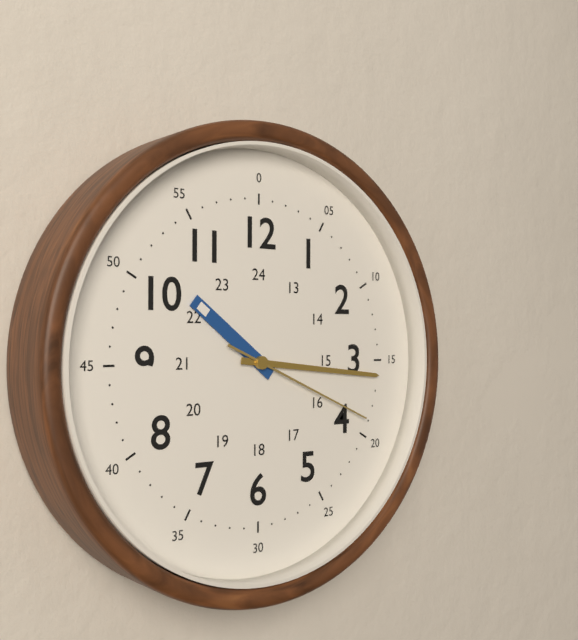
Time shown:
{"hour": 10, "minute": 16, "second": 19}
